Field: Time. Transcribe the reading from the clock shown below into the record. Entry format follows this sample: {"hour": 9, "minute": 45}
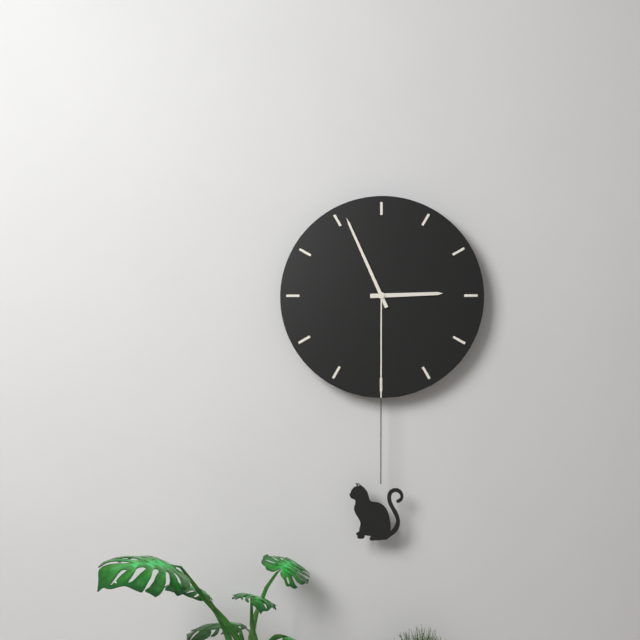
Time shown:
{"hour": 2, "minute": 56}
